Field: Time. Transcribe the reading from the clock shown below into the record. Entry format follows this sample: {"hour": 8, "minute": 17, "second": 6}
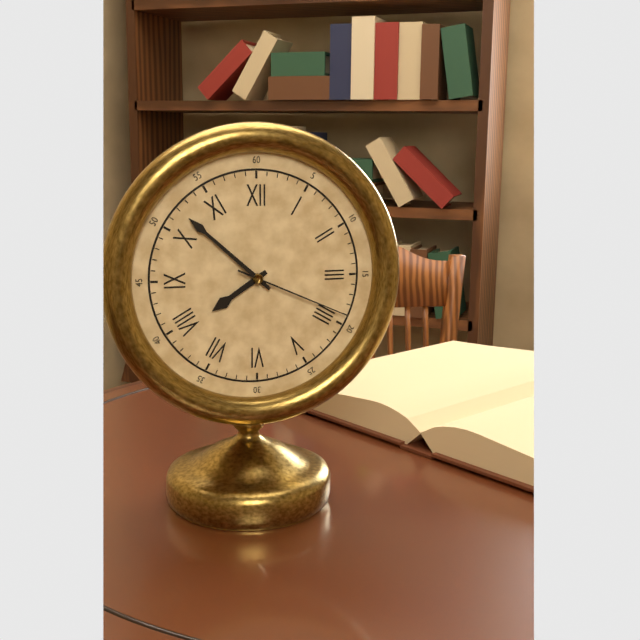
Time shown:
{"hour": 7, "minute": 52, "second": 19}
